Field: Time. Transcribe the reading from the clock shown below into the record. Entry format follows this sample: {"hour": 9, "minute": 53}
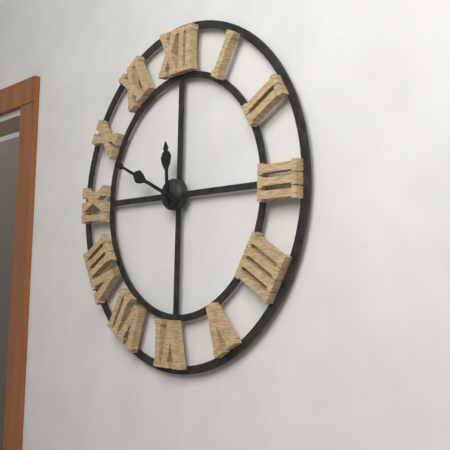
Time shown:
{"hour": 11, "minute": 49}
